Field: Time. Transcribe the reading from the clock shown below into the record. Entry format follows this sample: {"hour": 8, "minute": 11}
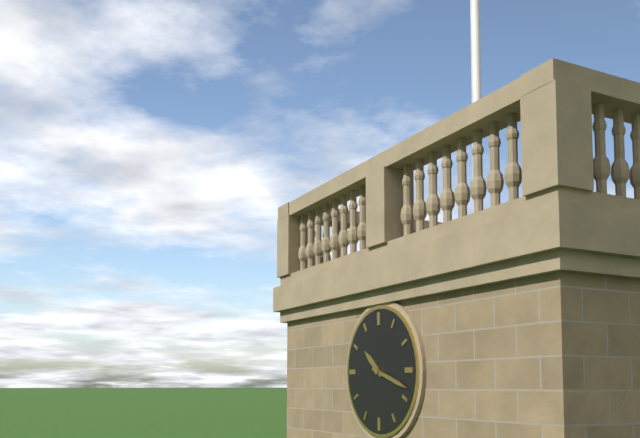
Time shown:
{"hour": 10, "minute": 18}
